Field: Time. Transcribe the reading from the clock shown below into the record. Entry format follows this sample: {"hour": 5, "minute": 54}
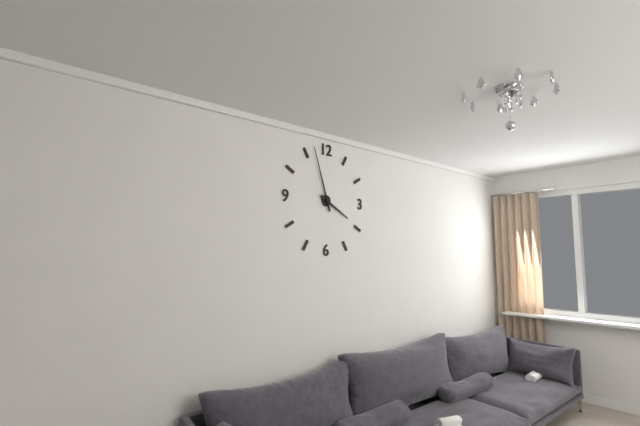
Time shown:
{"hour": 3, "minute": 57}
